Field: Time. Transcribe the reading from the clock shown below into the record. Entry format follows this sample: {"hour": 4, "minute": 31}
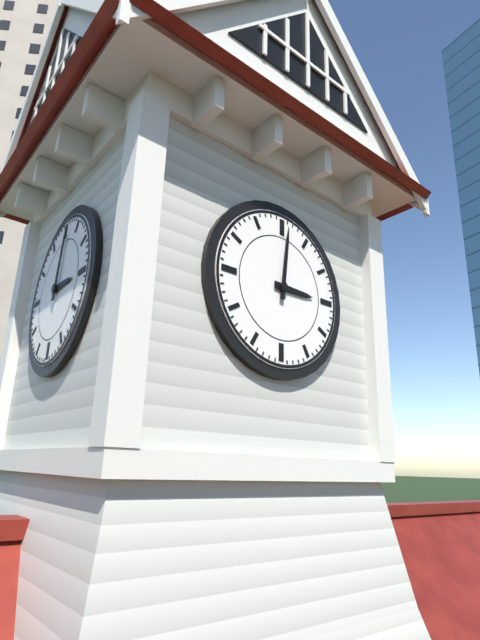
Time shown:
{"hour": 3, "minute": 1}
